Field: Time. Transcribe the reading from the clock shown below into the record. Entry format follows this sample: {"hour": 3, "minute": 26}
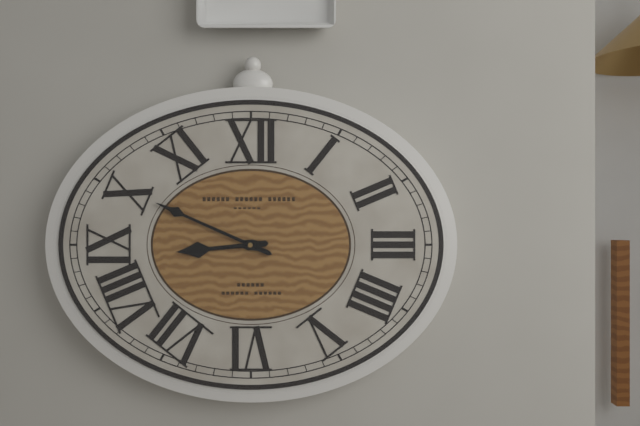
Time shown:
{"hour": 8, "minute": 49}
